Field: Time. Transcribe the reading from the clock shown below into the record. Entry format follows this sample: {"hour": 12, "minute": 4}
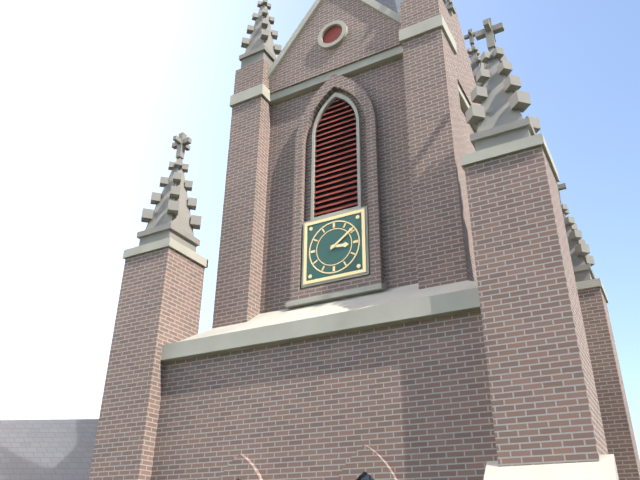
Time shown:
{"hour": 3, "minute": 9}
